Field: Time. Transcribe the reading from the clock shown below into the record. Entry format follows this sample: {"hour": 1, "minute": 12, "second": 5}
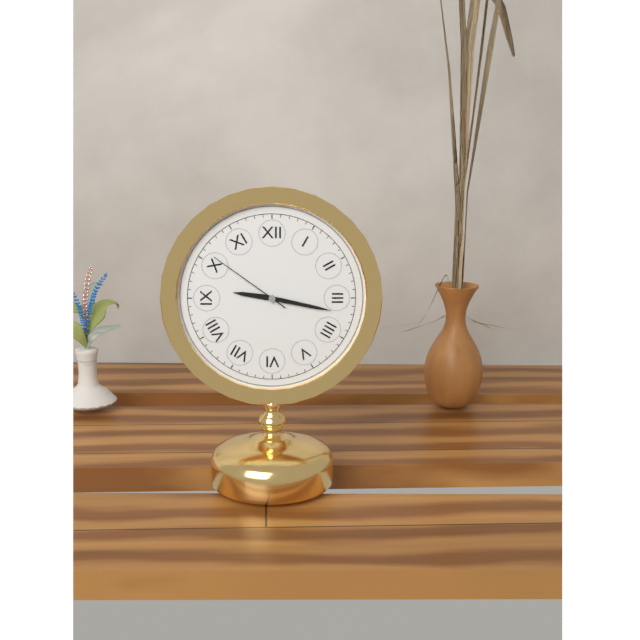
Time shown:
{"hour": 9, "minute": 17, "second": 51}
